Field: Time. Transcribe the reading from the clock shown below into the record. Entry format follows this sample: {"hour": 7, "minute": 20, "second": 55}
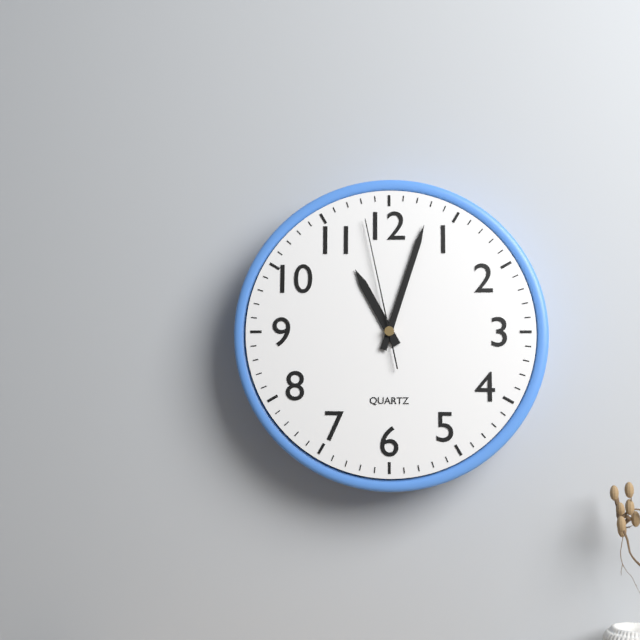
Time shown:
{"hour": 11, "minute": 3, "second": 58}
